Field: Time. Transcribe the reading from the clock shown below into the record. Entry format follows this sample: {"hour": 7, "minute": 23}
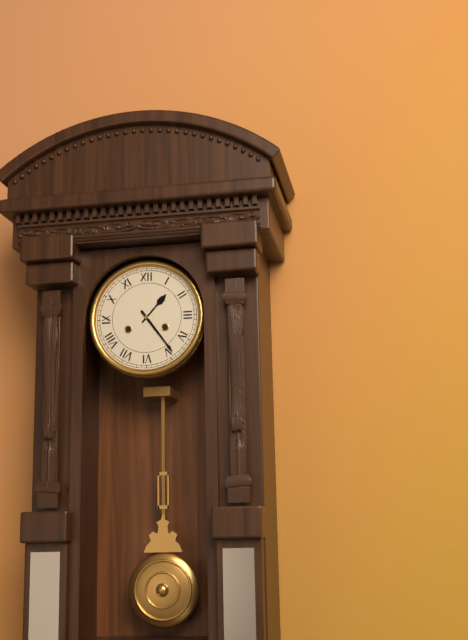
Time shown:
{"hour": 1, "minute": 24}
